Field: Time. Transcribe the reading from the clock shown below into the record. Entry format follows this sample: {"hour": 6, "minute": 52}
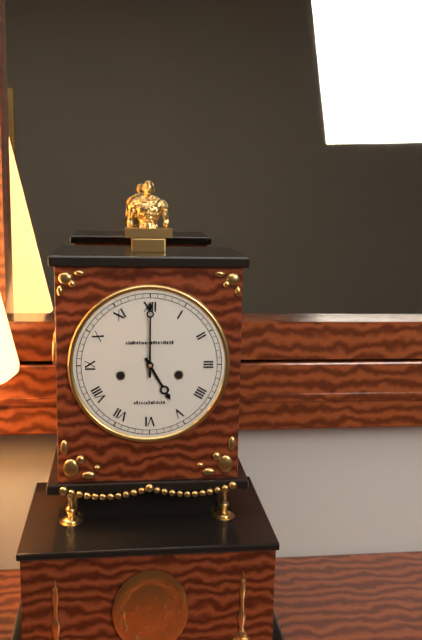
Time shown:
{"hour": 5, "minute": 0}
